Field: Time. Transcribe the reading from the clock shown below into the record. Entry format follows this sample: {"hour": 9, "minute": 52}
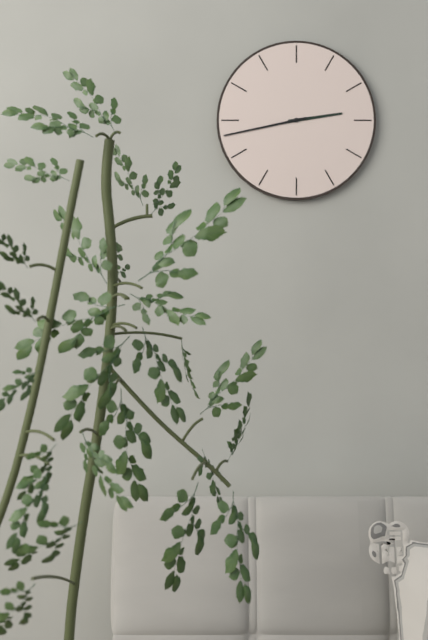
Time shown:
{"hour": 2, "minute": 43}
